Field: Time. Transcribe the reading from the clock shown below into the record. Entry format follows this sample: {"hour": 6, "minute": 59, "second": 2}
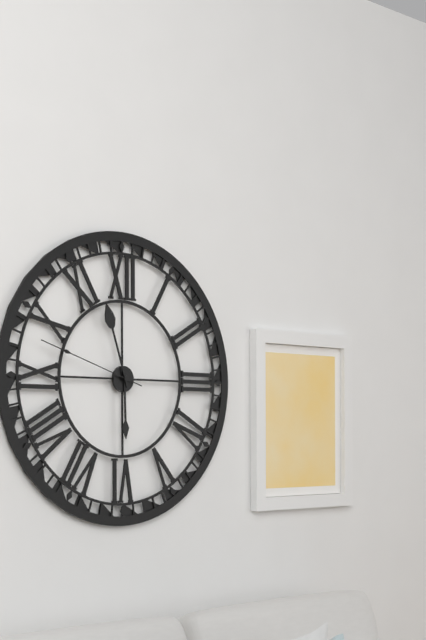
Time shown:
{"hour": 5, "minute": 57, "second": 48}
